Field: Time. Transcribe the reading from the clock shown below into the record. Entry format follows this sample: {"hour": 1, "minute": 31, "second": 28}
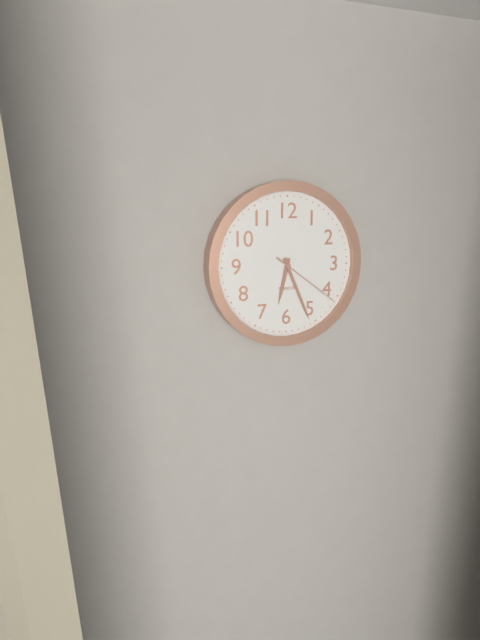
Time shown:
{"hour": 6, "minute": 26, "second": 21}
